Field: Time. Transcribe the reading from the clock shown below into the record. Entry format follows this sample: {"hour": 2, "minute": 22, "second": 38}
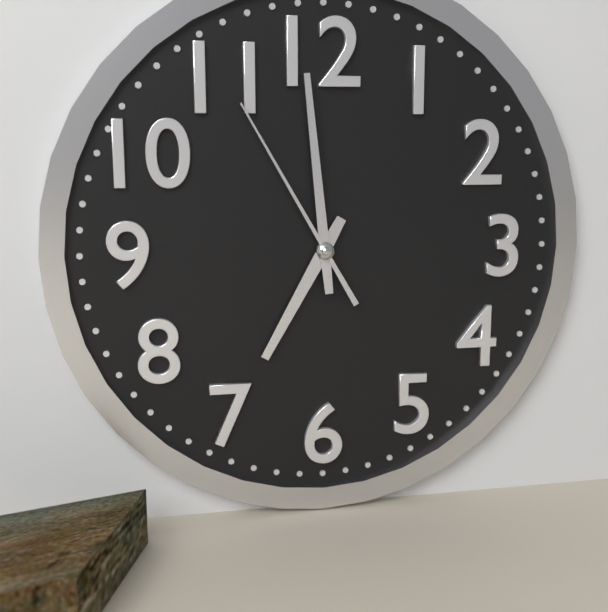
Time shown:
{"hour": 6, "minute": 59, "second": 55}
